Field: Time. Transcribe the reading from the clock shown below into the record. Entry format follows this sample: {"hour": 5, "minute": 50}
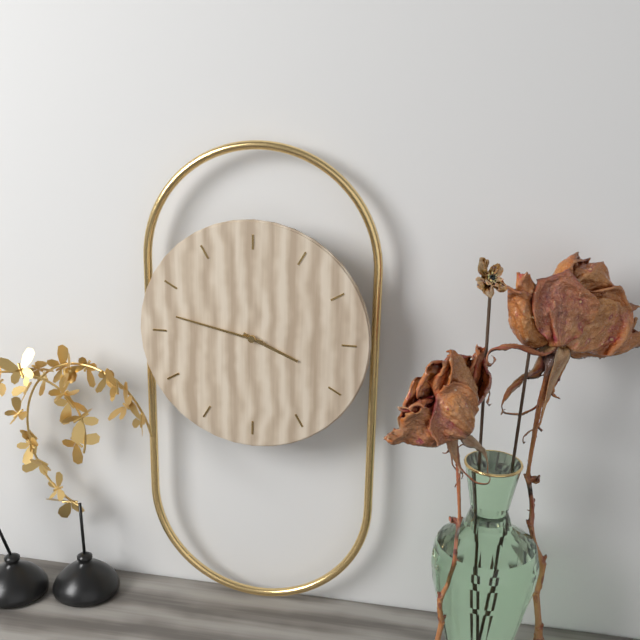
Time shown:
{"hour": 3, "minute": 47}
